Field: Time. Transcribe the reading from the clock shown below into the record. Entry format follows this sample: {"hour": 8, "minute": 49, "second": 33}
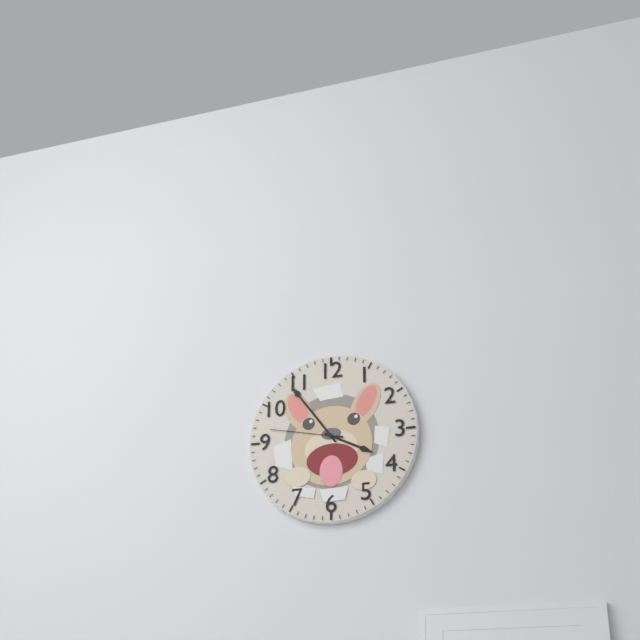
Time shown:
{"hour": 3, "minute": 54, "second": 47}
